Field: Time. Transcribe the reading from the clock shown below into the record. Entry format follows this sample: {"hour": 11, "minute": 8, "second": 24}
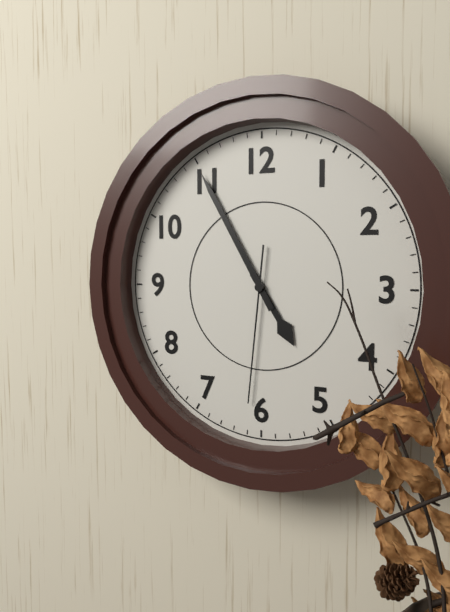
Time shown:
{"hour": 4, "minute": 55, "second": 31}
